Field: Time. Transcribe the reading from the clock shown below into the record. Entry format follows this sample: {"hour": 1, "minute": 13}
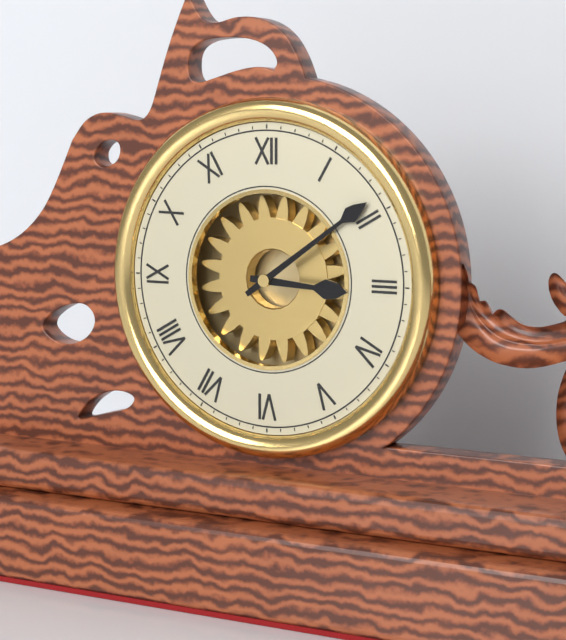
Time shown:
{"hour": 3, "minute": 9}
